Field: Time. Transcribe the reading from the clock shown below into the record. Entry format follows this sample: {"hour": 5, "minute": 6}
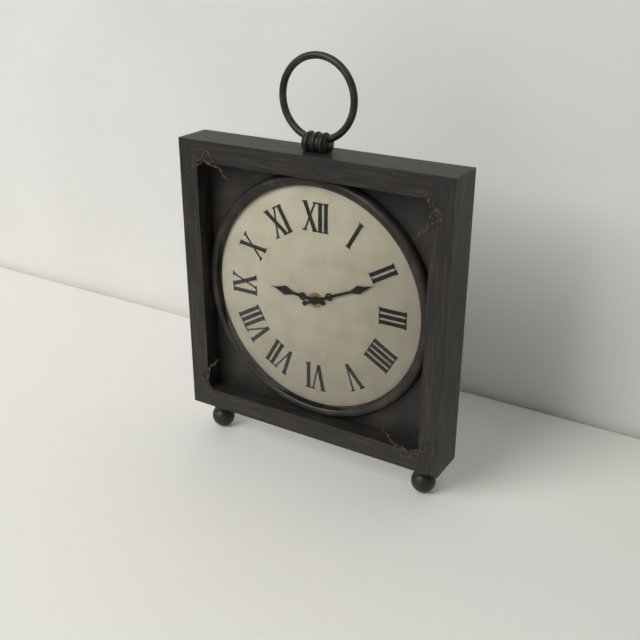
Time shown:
{"hour": 9, "minute": 11}
